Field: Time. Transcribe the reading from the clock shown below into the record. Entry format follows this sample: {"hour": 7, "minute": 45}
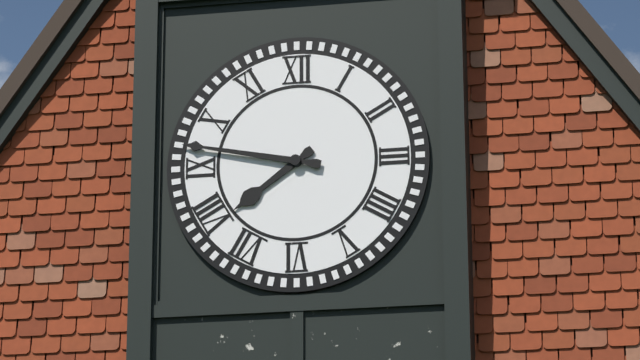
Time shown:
{"hour": 7, "minute": 47}
